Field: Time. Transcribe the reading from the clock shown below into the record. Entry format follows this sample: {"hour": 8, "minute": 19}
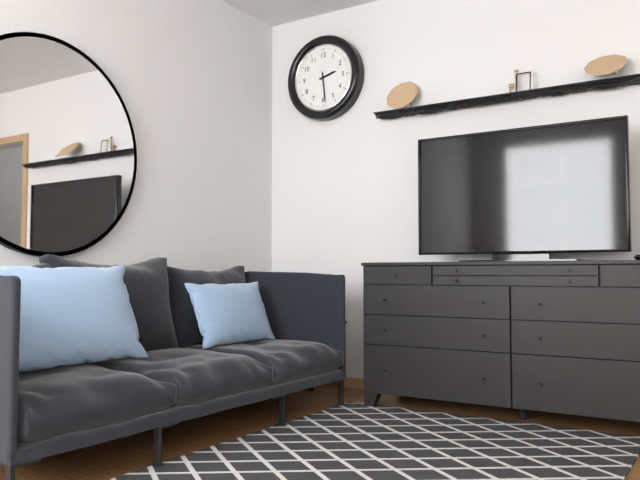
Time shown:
{"hour": 2, "minute": 29}
